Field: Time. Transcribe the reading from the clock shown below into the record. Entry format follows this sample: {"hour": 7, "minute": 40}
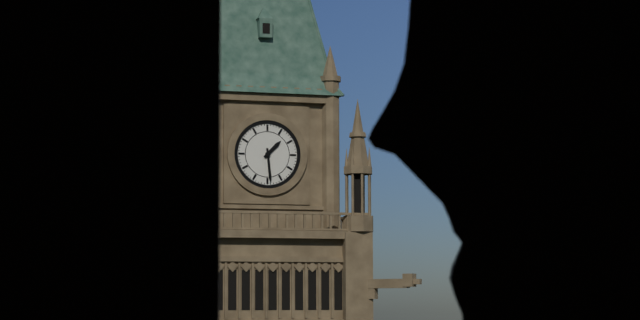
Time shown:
{"hour": 1, "minute": 29}
